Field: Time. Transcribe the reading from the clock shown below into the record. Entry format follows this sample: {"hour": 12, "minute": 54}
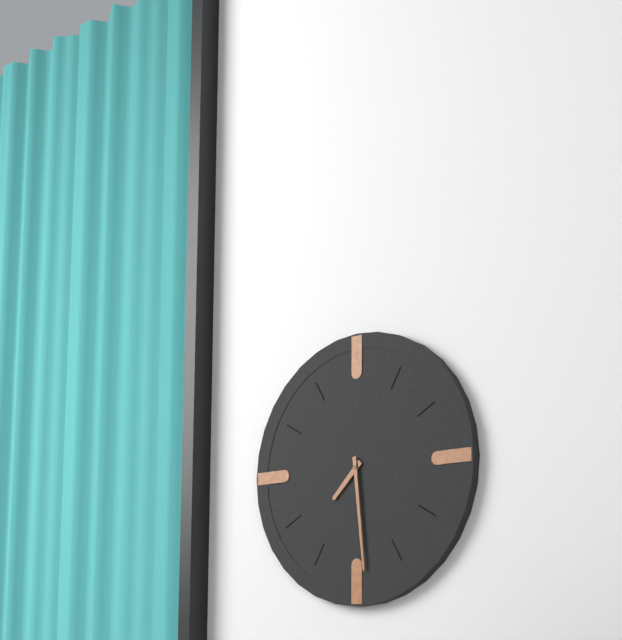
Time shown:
{"hour": 7, "minute": 29}
